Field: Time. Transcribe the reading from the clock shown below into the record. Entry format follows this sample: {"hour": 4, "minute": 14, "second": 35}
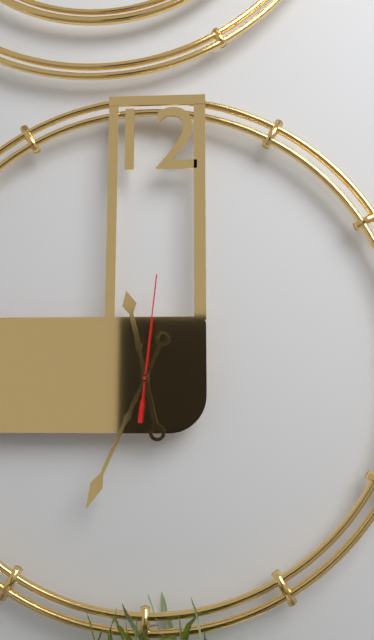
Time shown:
{"hour": 11, "minute": 34, "second": 1}
